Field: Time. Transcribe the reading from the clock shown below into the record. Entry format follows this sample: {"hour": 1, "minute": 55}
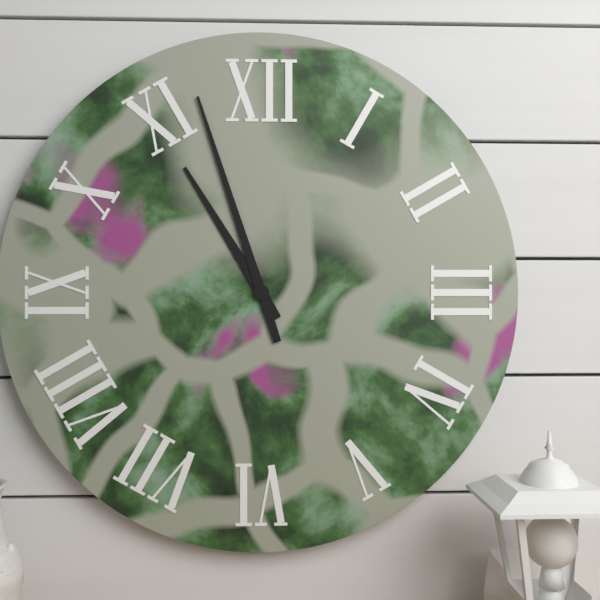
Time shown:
{"hour": 10, "minute": 57}
